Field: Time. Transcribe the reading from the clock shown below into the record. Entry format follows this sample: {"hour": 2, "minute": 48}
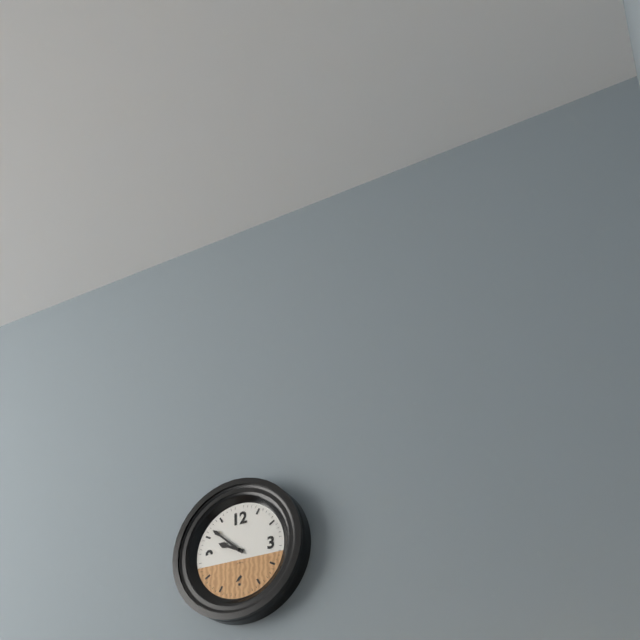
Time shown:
{"hour": 9, "minute": 52}
